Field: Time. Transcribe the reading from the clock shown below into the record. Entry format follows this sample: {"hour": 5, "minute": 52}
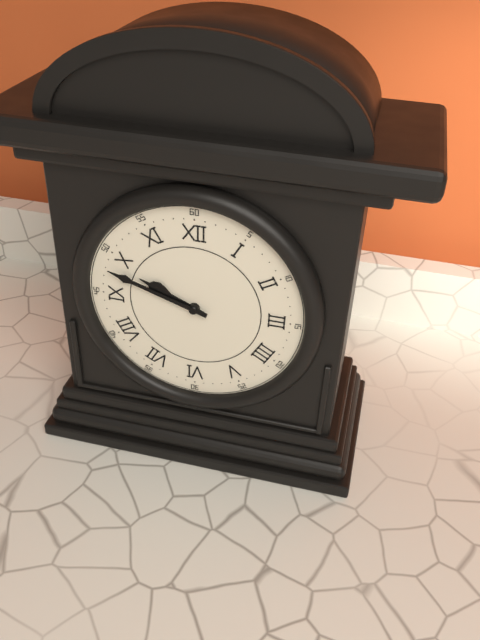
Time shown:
{"hour": 9, "minute": 48}
